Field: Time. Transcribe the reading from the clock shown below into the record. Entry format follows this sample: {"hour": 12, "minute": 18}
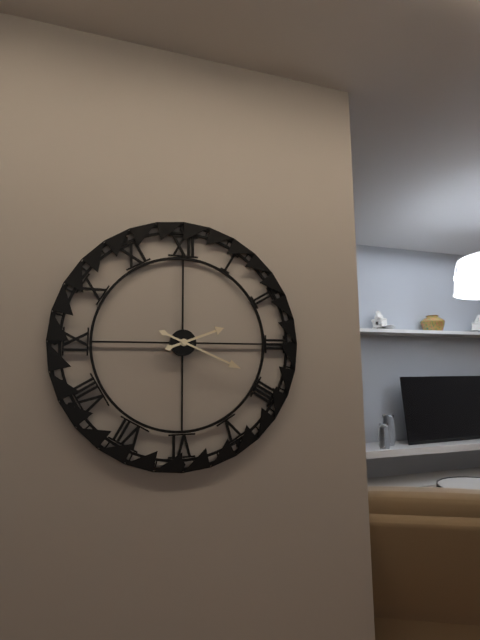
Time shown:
{"hour": 2, "minute": 19}
